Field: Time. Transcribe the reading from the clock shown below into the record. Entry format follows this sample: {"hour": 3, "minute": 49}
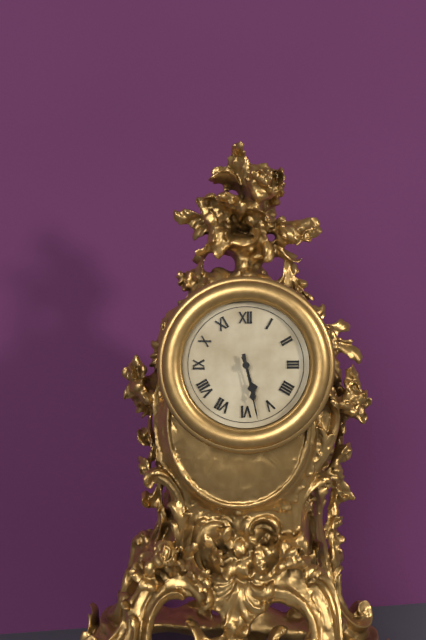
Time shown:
{"hour": 5, "minute": 28}
